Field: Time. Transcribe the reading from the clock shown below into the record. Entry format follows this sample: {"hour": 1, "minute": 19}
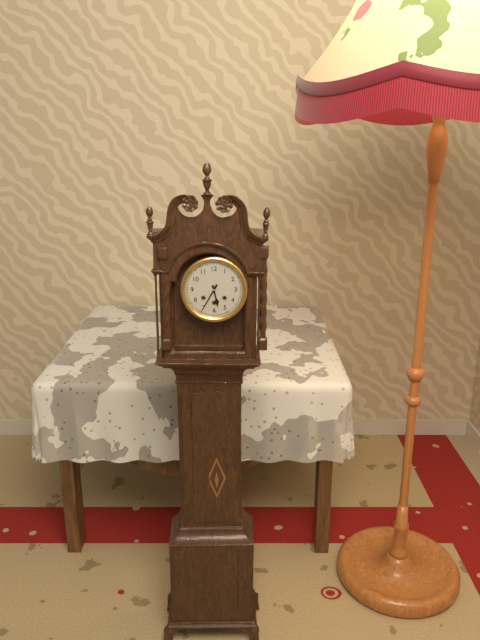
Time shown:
{"hour": 5, "minute": 35}
